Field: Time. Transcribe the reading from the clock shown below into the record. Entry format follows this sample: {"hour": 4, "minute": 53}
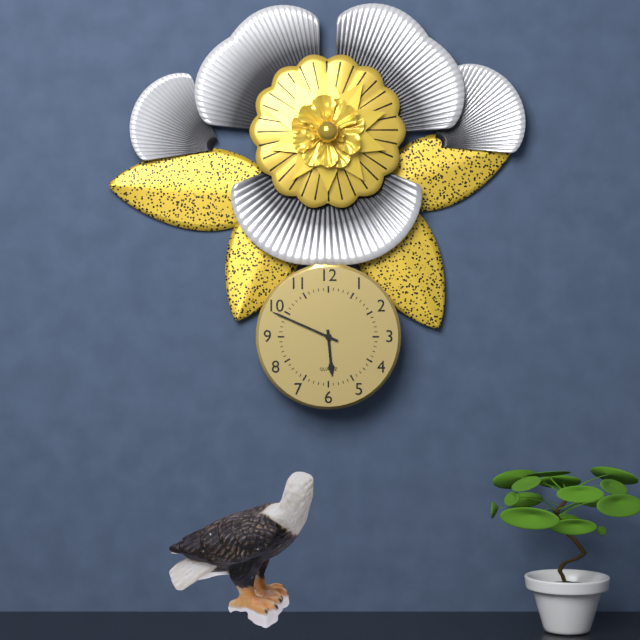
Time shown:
{"hour": 5, "minute": 49}
